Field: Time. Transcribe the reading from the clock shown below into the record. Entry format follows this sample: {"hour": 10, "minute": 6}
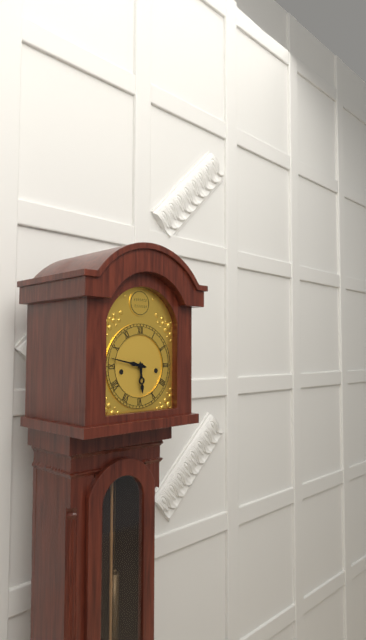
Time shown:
{"hour": 5, "minute": 47}
